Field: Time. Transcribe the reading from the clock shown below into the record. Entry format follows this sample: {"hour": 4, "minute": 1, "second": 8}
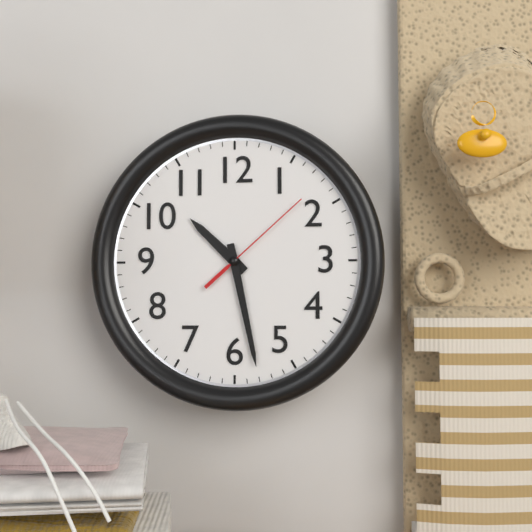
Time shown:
{"hour": 10, "minute": 28, "second": 8}
